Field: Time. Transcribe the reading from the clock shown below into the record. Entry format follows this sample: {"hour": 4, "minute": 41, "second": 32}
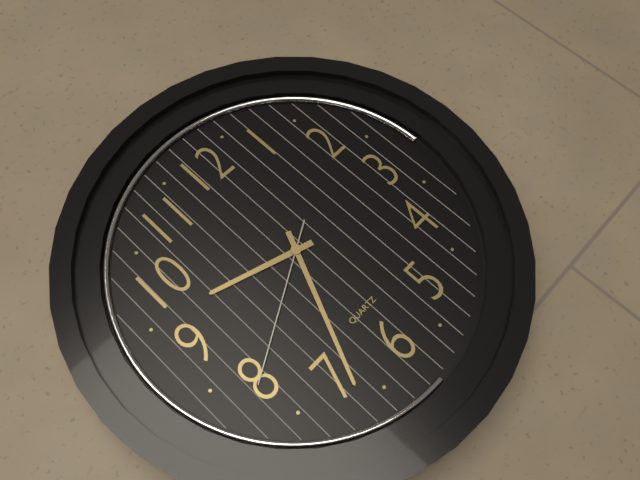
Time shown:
{"hour": 9, "minute": 34, "second": 40}
